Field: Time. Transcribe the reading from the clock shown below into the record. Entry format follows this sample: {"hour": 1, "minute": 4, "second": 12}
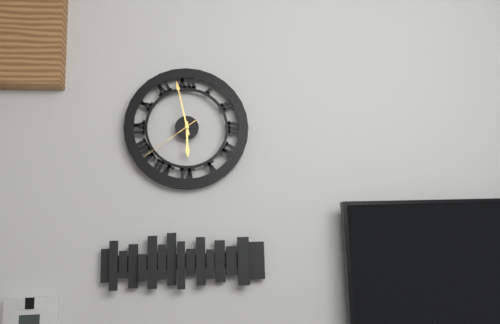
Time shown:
{"hour": 5, "minute": 58, "second": 39}
